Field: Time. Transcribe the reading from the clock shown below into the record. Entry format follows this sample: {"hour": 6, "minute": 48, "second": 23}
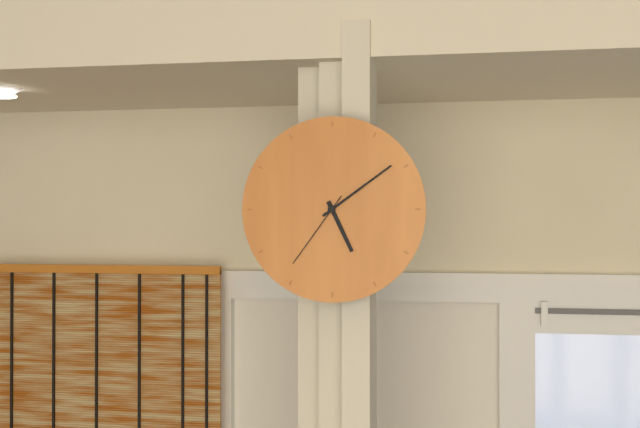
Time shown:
{"hour": 5, "minute": 9, "second": 36}
